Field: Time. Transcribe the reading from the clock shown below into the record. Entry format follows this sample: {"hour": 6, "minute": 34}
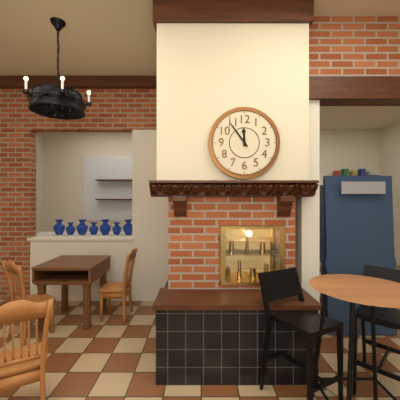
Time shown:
{"hour": 11, "minute": 54}
